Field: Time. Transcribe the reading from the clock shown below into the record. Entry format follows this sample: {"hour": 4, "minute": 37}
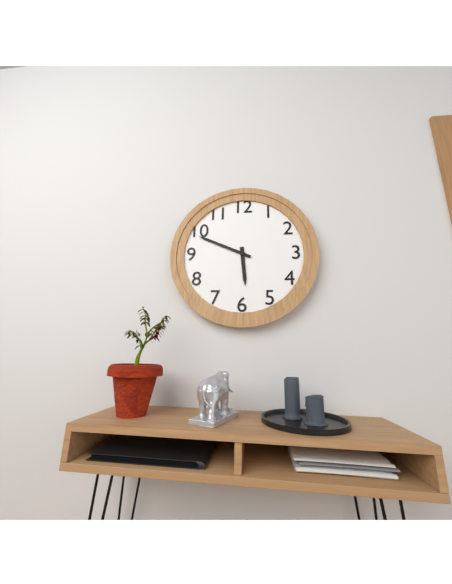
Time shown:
{"hour": 5, "minute": 49}
